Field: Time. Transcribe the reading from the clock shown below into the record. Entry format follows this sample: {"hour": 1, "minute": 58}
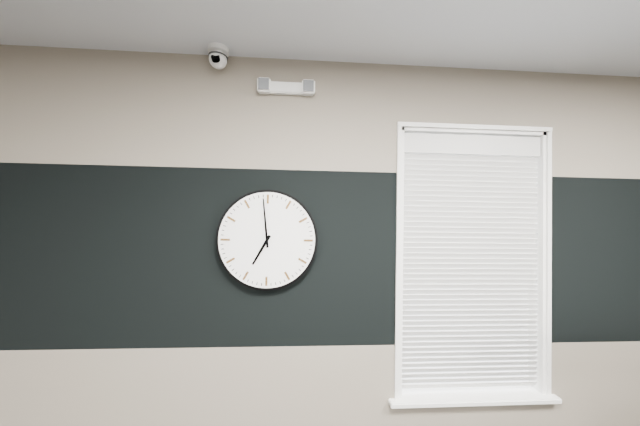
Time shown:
{"hour": 6, "minute": 59}
